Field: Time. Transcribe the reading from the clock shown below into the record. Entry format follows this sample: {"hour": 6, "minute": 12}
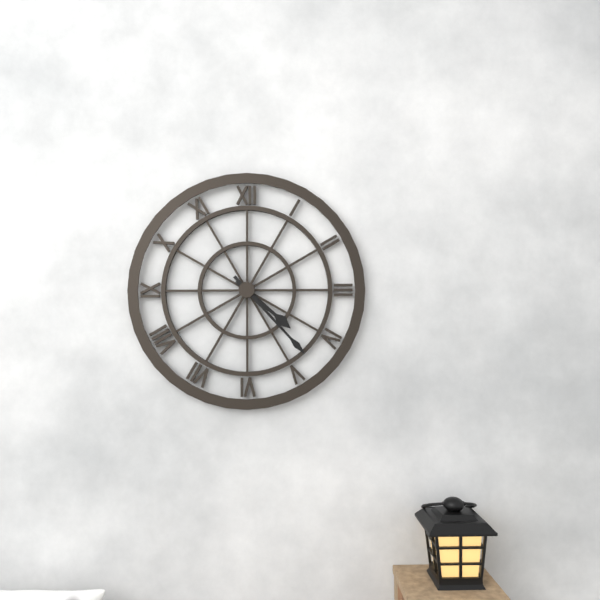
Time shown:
{"hour": 4, "minute": 23}
